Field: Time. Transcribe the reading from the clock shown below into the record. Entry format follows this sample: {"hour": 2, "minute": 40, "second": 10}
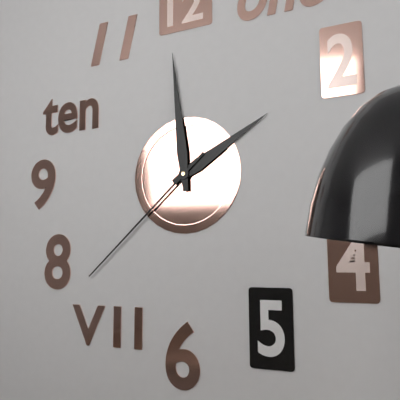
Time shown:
{"hour": 1, "minute": 59, "second": 38}
